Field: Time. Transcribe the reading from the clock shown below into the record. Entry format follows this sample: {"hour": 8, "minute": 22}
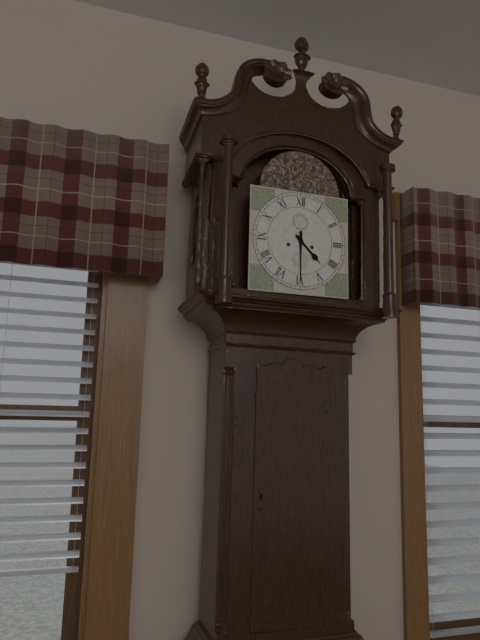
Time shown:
{"hour": 4, "minute": 30}
